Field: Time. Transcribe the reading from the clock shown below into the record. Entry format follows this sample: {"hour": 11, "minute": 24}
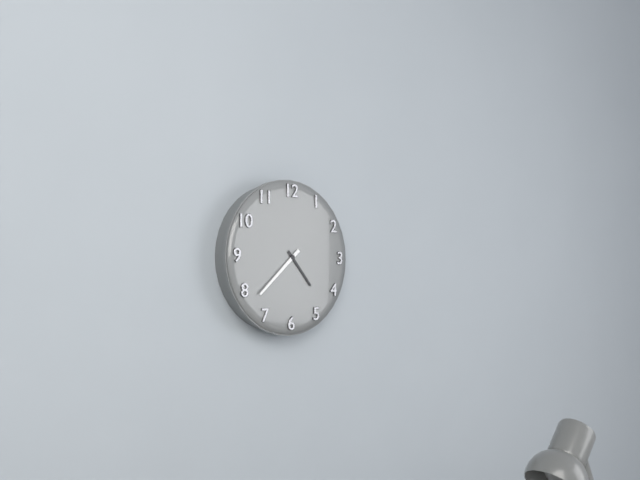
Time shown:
{"hour": 4, "minute": 38}
